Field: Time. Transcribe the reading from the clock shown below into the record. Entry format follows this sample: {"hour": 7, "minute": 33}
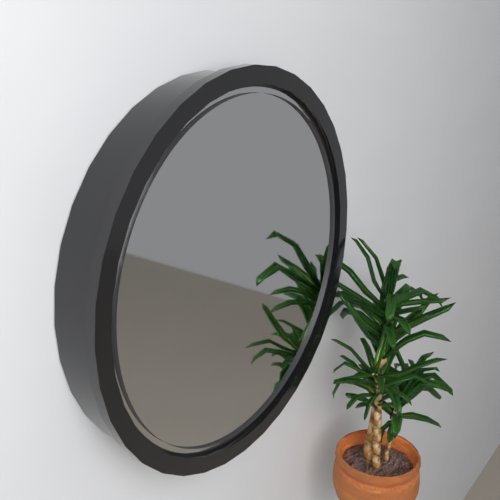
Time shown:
{"hour": 5, "minute": 40}
